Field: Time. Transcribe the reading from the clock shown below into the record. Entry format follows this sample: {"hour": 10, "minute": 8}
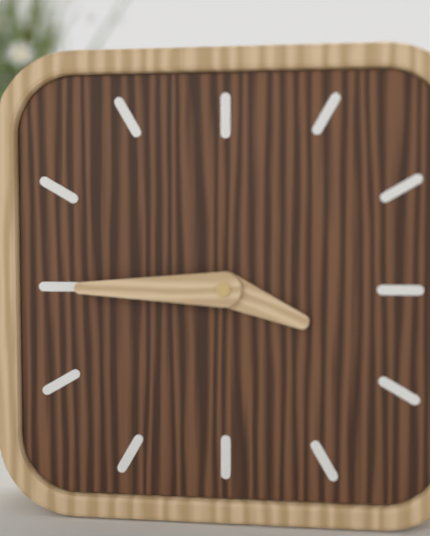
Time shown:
{"hour": 3, "minute": 45}
